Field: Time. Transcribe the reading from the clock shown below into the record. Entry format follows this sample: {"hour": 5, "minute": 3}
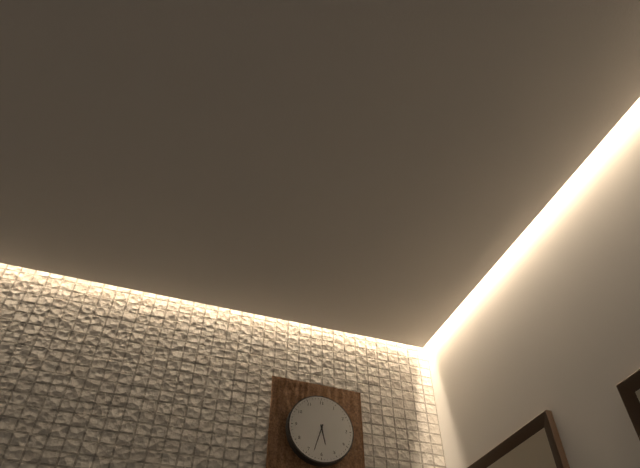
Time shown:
{"hour": 5, "minute": 33}
